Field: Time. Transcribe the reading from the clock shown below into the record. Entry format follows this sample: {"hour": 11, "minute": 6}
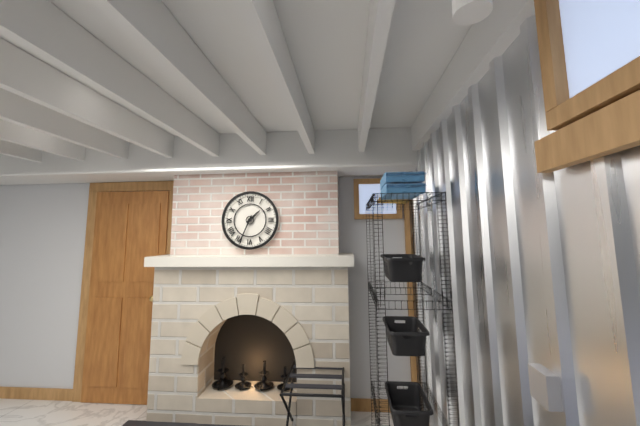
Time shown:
{"hour": 1, "minute": 34}
